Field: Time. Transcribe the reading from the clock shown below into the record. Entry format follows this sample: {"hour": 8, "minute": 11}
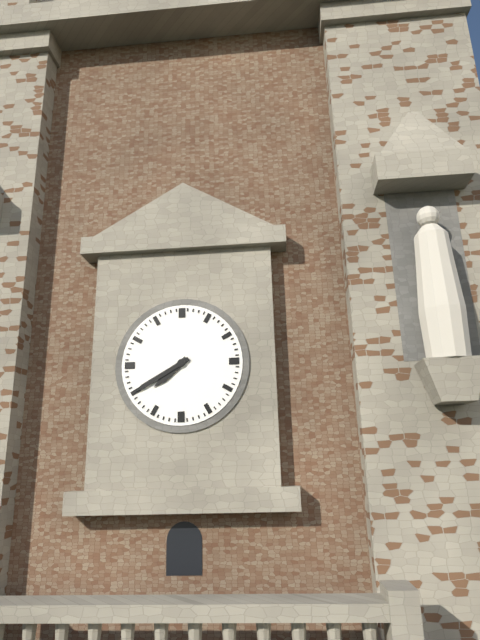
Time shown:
{"hour": 7, "minute": 40}
